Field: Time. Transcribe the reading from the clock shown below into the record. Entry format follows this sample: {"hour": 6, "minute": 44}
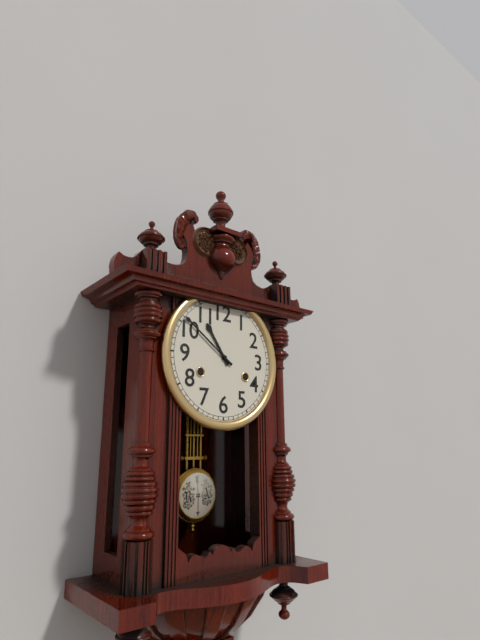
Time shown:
{"hour": 10, "minute": 51}
